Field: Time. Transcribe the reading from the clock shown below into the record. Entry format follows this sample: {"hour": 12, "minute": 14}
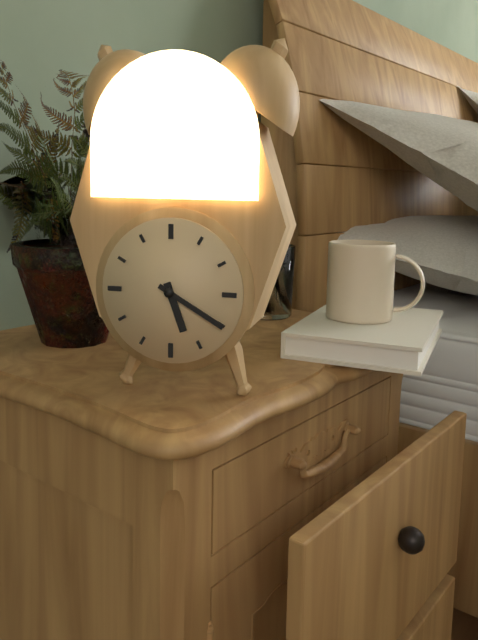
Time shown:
{"hour": 5, "minute": 20}
